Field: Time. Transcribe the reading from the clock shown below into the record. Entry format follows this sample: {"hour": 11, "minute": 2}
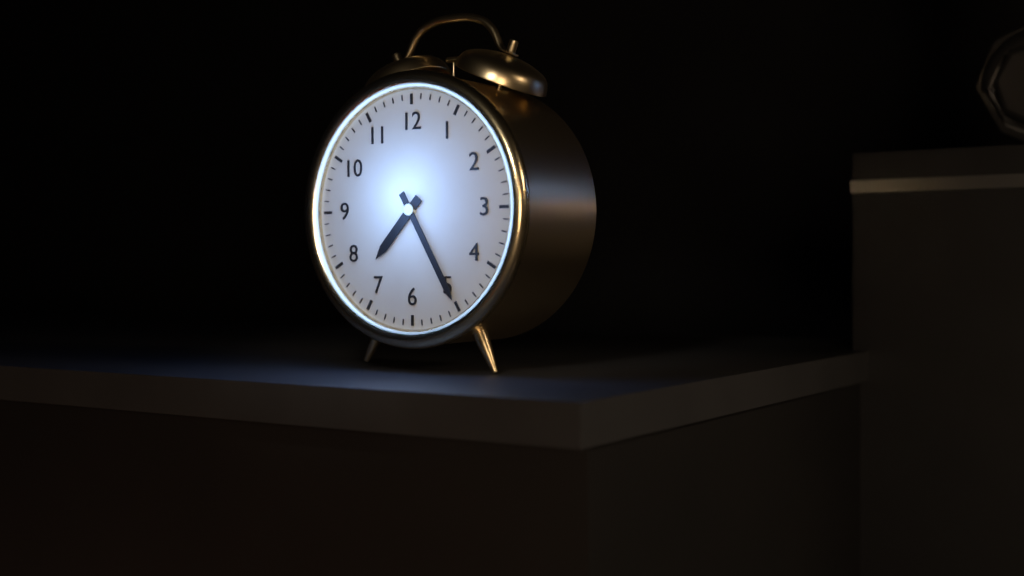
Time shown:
{"hour": 7, "minute": 25}
